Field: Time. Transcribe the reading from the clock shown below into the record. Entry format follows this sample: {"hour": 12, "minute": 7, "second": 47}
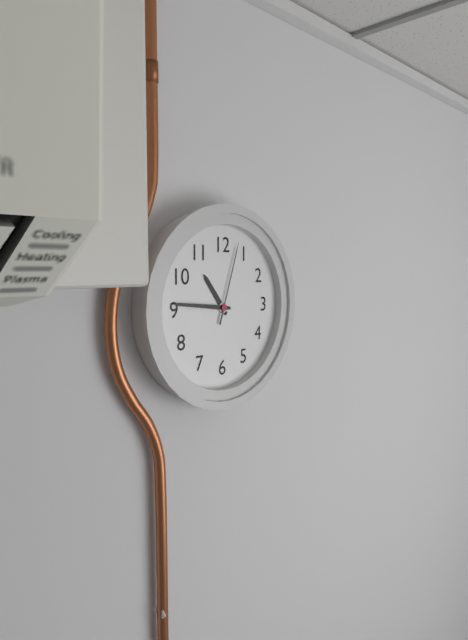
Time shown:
{"hour": 10, "minute": 46, "second": 3}
